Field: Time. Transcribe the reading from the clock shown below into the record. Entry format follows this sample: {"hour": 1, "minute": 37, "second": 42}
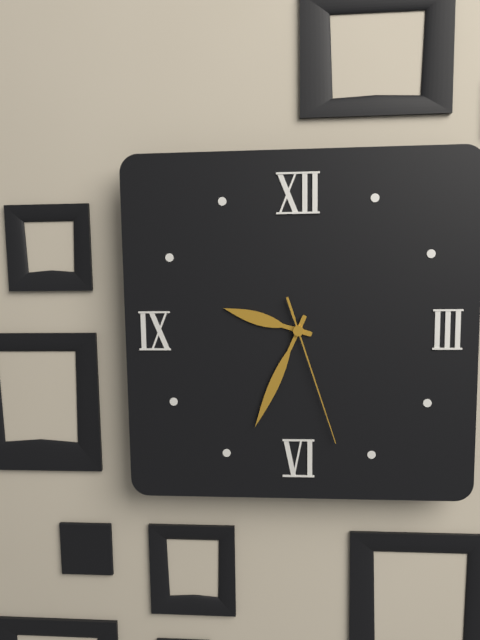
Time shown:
{"hour": 9, "minute": 34, "second": 27}
